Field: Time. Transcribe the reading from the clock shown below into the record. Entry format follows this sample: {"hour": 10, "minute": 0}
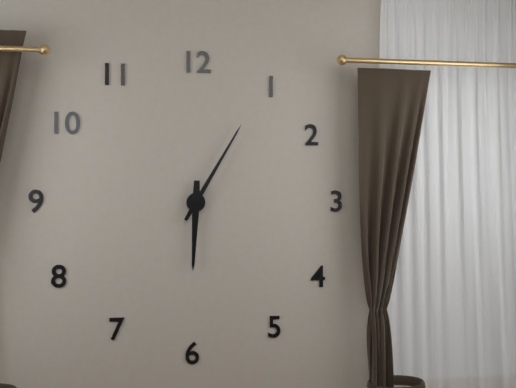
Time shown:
{"hour": 6, "minute": 5}
